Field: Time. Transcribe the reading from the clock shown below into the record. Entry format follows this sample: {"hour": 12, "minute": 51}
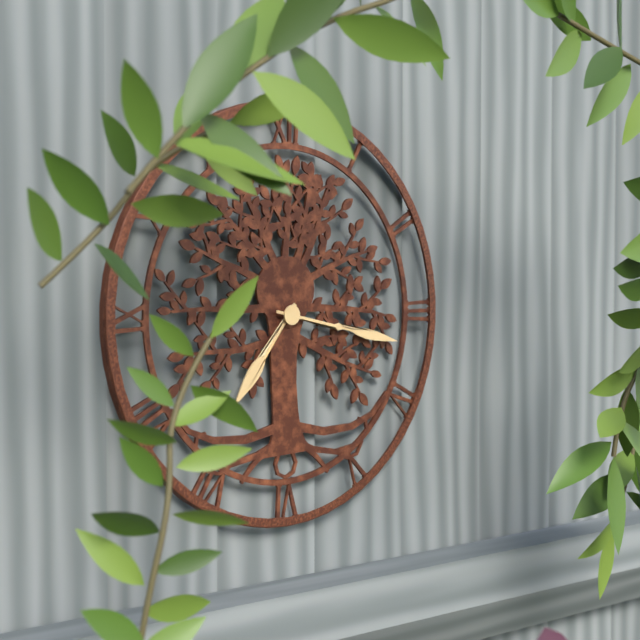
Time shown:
{"hour": 7, "minute": 17}
